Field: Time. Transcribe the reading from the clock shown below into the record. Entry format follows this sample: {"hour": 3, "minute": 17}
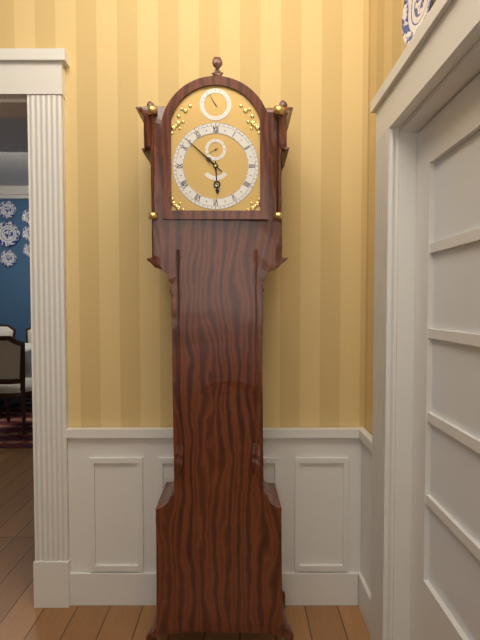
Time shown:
{"hour": 5, "minute": 52}
